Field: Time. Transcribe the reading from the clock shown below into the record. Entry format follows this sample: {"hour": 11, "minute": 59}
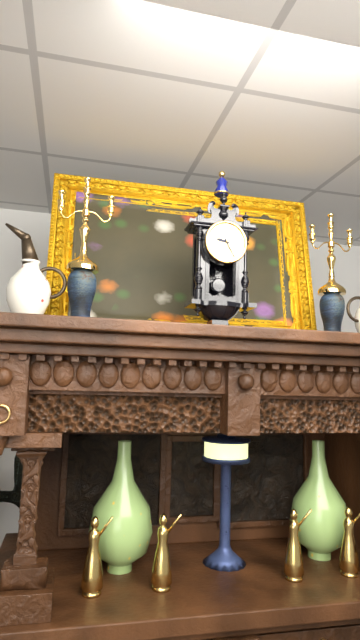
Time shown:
{"hour": 9, "minute": 25}
